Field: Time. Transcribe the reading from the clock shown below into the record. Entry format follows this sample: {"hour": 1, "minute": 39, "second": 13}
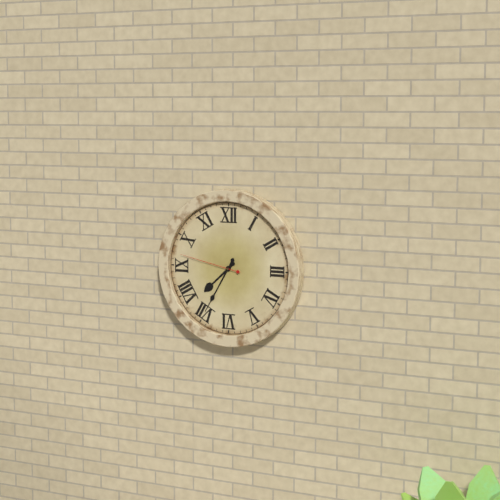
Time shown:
{"hour": 7, "minute": 35, "second": 47}
